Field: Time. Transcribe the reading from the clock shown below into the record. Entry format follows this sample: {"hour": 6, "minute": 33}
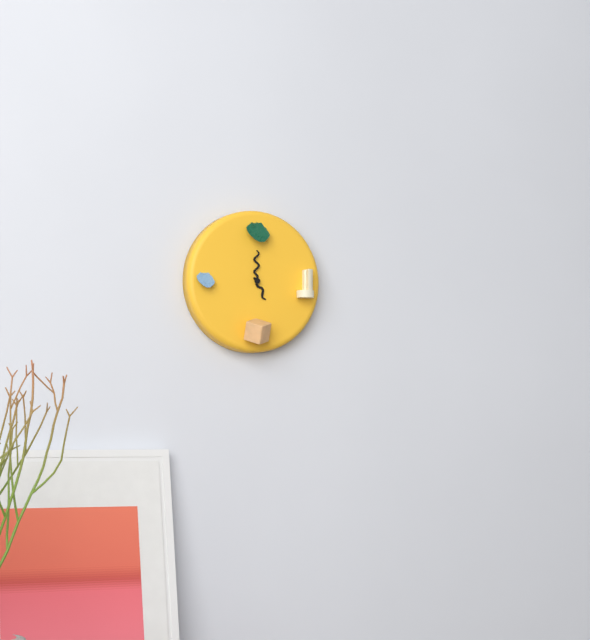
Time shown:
{"hour": 5, "minute": 0}
